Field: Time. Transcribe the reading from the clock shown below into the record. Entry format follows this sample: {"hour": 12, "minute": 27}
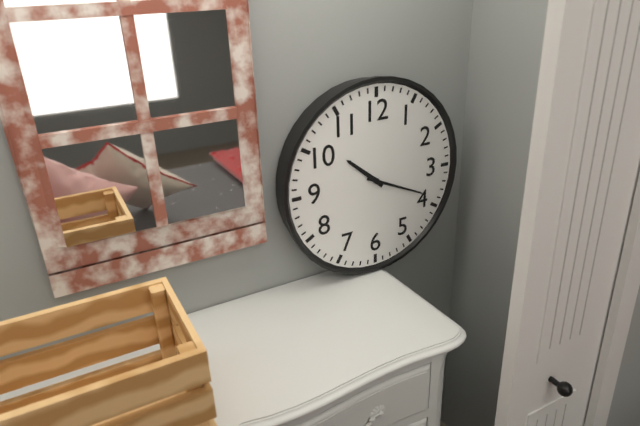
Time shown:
{"hour": 10, "minute": 19}
